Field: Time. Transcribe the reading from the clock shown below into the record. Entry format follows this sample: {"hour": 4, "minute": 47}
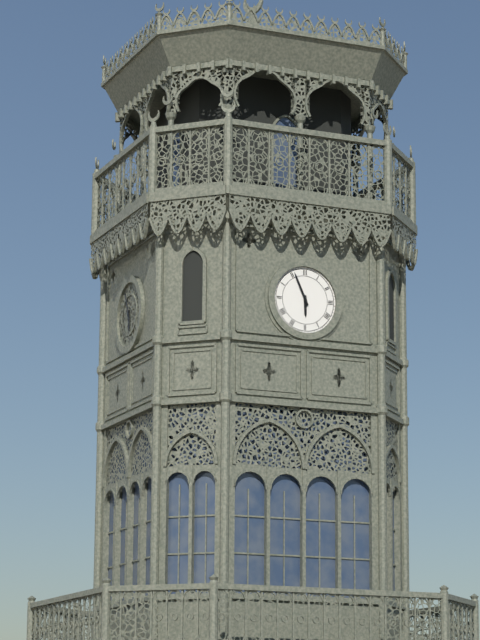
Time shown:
{"hour": 5, "minute": 56}
